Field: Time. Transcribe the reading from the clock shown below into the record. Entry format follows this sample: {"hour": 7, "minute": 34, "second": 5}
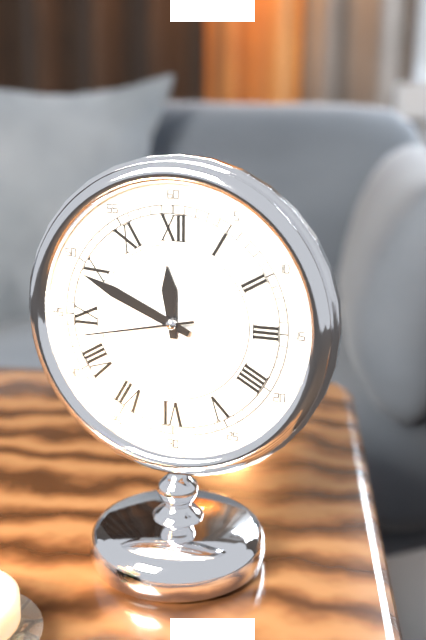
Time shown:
{"hour": 11, "minute": 49, "second": 43}
